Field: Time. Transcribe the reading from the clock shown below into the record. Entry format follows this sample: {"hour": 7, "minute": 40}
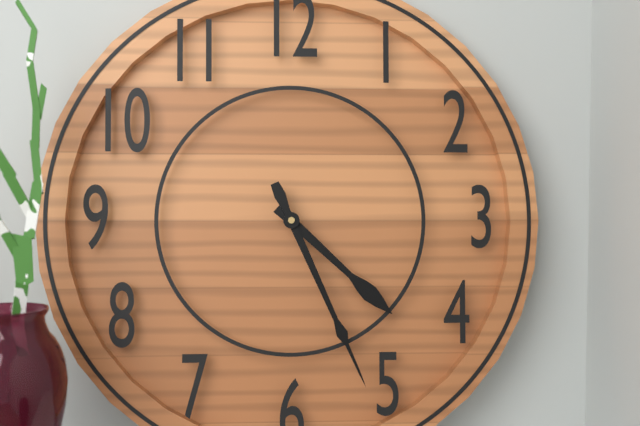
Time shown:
{"hour": 4, "minute": 26}
